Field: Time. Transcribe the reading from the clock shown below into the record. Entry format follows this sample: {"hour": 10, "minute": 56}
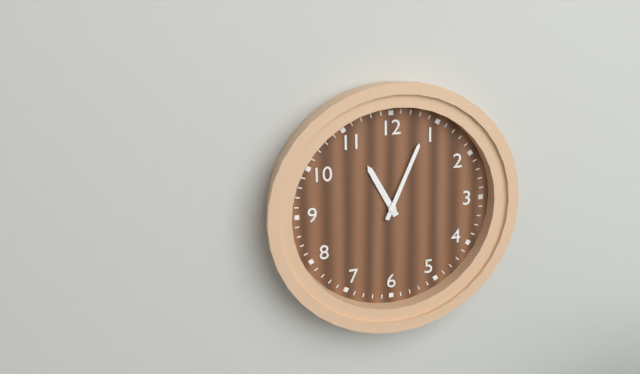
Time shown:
{"hour": 11, "minute": 4}
